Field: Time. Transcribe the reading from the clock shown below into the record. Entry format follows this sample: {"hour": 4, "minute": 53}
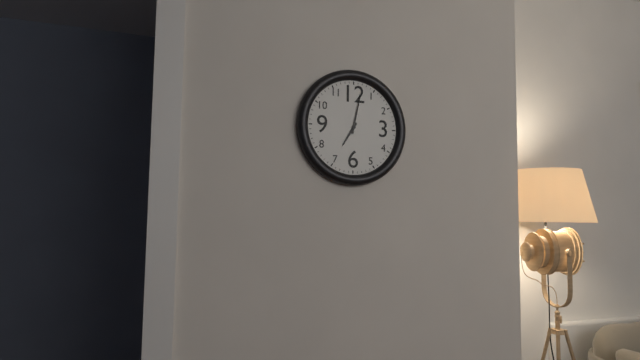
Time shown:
{"hour": 7, "minute": 2}
